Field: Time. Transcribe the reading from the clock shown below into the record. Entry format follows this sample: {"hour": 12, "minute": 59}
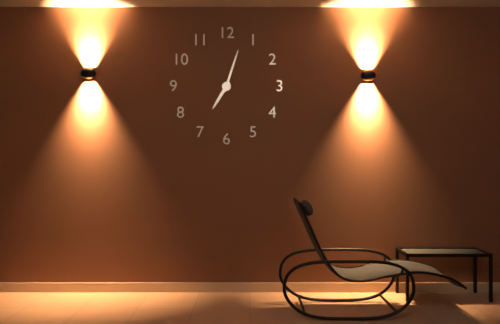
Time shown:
{"hour": 7, "minute": 3}
